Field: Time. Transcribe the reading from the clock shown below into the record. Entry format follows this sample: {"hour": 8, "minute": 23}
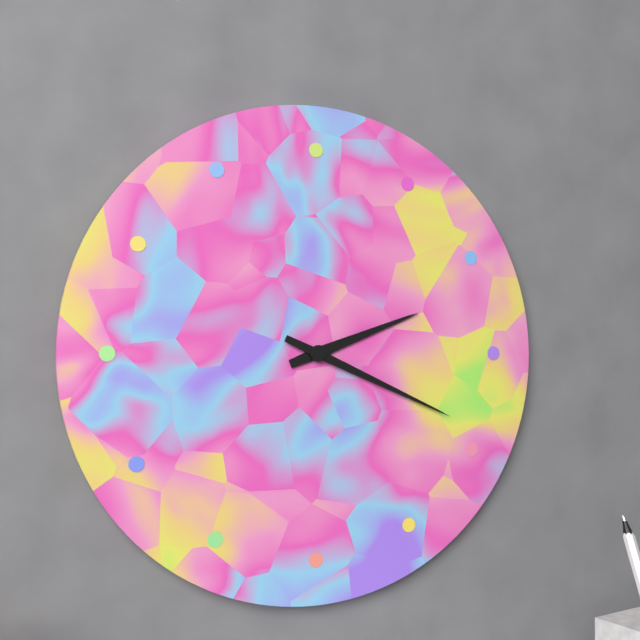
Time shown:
{"hour": 2, "minute": 19}
